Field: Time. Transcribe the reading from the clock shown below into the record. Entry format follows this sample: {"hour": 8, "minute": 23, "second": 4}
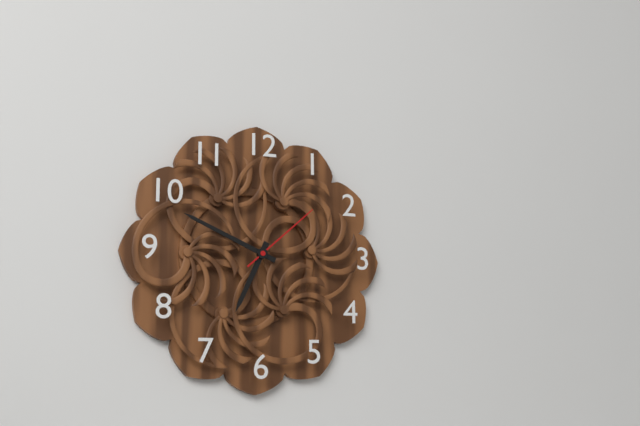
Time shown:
{"hour": 6, "minute": 49, "second": 8}
